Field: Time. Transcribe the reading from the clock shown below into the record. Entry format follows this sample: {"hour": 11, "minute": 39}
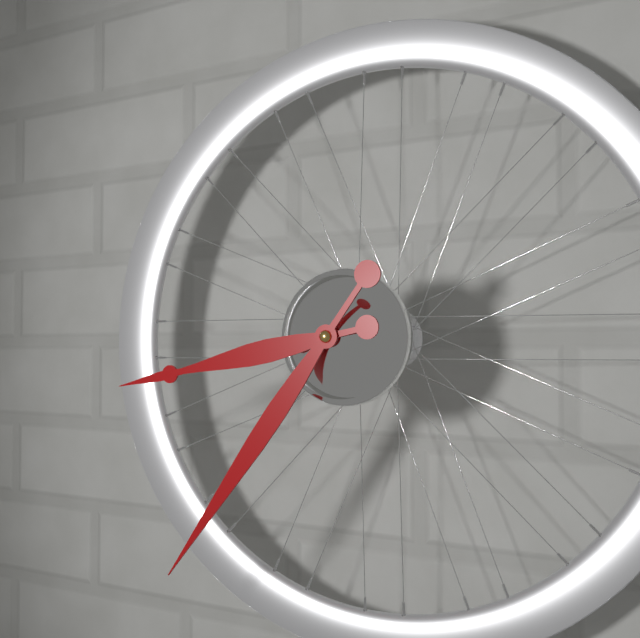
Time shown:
{"hour": 8, "minute": 36}
